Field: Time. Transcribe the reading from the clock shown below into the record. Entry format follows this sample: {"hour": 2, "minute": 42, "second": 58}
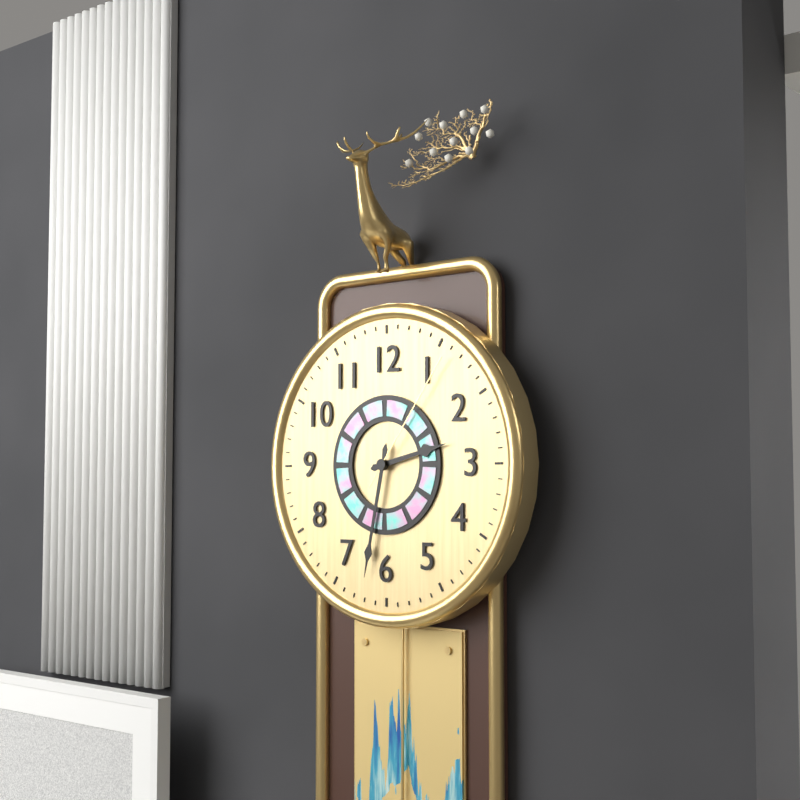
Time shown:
{"hour": 2, "minute": 32, "second": 6}
